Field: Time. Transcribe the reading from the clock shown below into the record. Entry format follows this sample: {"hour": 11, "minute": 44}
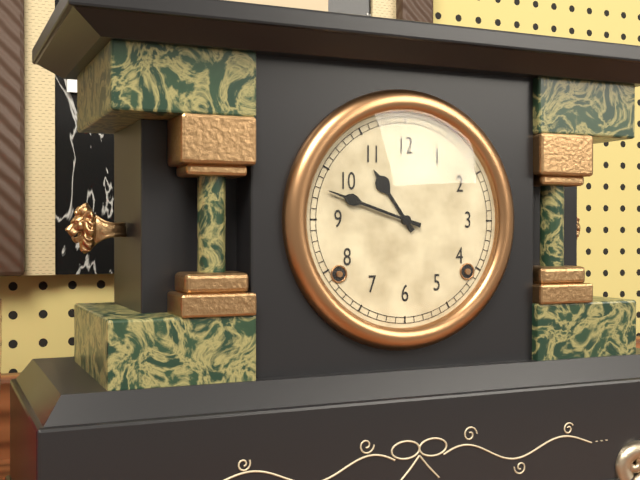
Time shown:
{"hour": 10, "minute": 48}
